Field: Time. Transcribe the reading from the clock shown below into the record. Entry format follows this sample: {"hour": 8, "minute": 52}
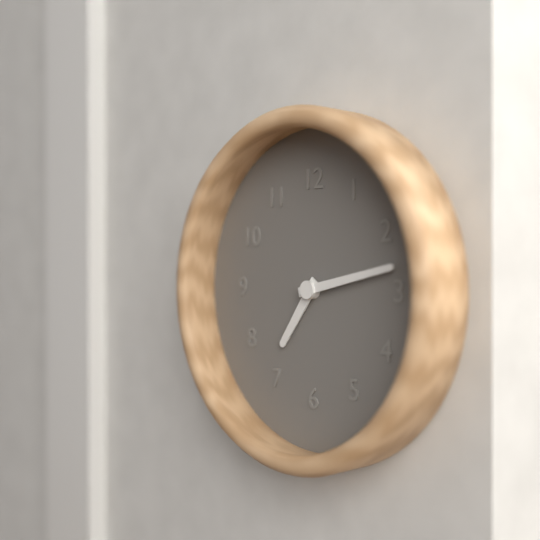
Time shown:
{"hour": 7, "minute": 13}
